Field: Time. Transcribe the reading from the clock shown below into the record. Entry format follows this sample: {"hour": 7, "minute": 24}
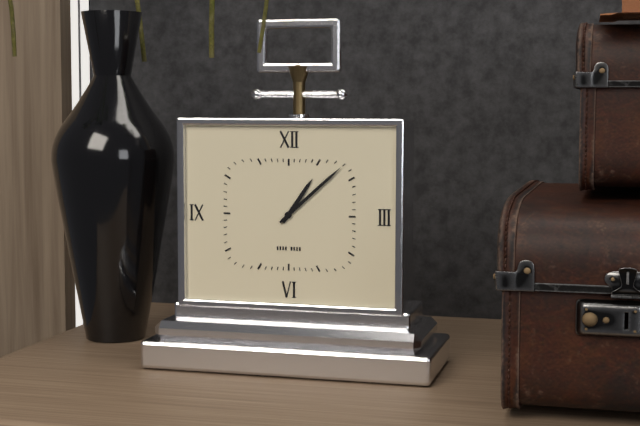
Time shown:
{"hour": 1, "minute": 8}
